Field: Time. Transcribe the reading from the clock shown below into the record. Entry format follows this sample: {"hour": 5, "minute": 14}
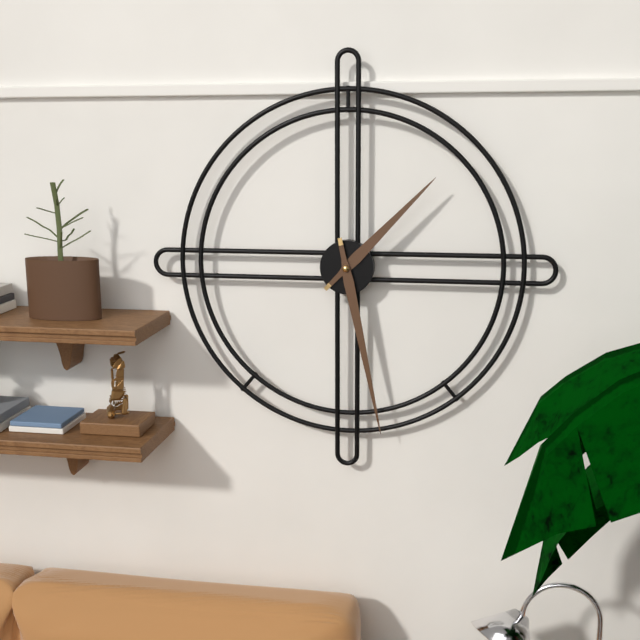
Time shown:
{"hour": 1, "minute": 28}
